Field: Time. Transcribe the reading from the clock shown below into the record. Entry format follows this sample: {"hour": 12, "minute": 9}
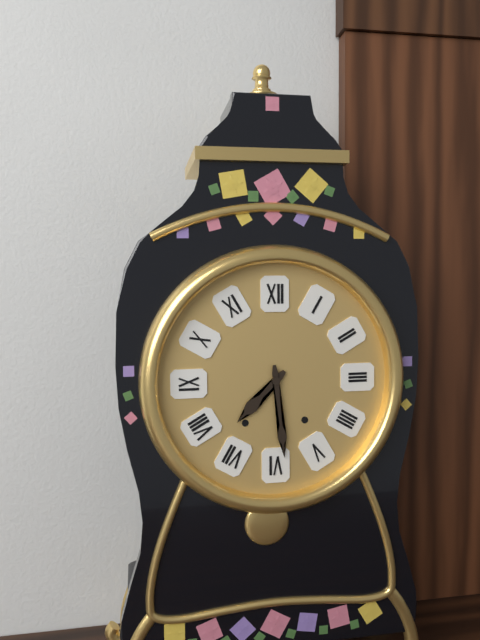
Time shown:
{"hour": 7, "minute": 29}
